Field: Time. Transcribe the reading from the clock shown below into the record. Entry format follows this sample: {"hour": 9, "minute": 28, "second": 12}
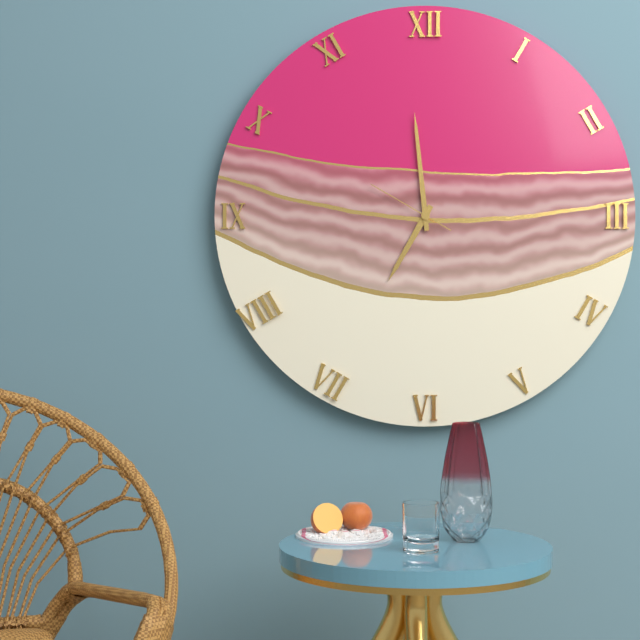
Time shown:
{"hour": 6, "minute": 59, "second": 50}
